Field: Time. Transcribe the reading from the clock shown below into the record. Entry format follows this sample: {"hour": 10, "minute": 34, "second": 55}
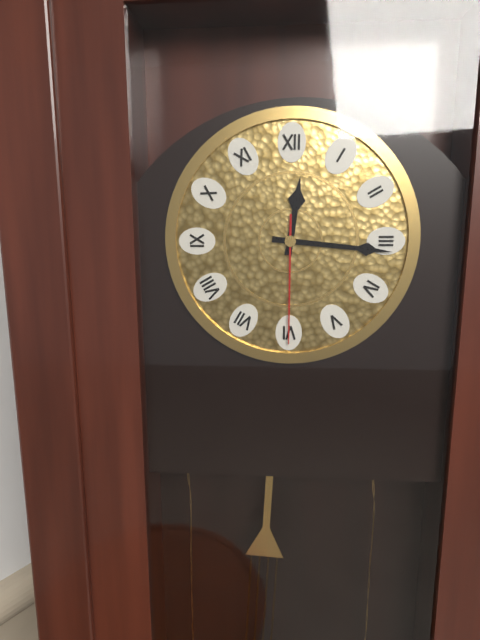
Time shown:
{"hour": 12, "minute": 16, "second": 30}
